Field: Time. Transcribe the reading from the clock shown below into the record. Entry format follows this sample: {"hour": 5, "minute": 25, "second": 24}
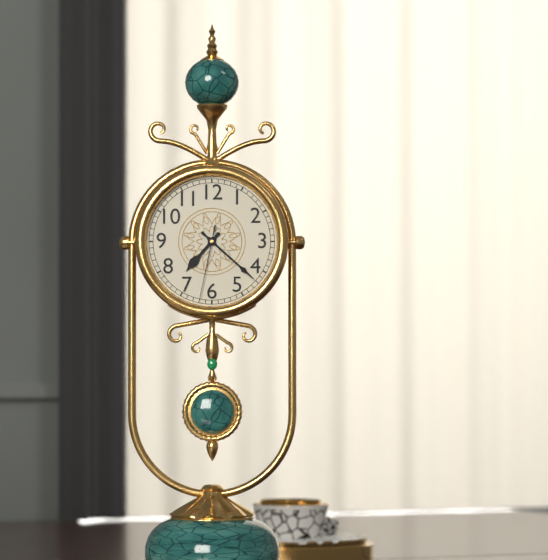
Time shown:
{"hour": 7, "minute": 22, "second": 32}
